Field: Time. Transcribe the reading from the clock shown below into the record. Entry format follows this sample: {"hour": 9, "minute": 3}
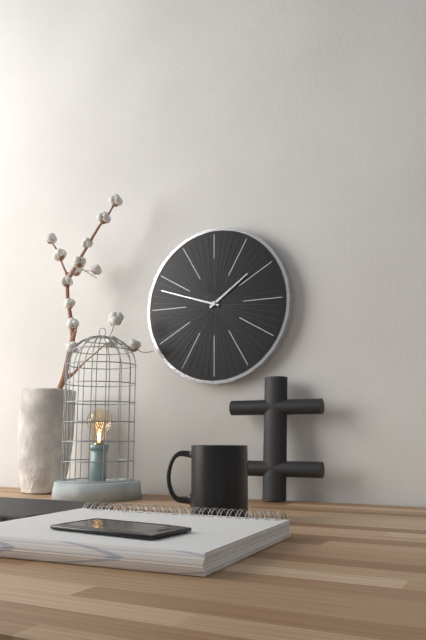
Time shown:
{"hour": 1, "minute": 48}
